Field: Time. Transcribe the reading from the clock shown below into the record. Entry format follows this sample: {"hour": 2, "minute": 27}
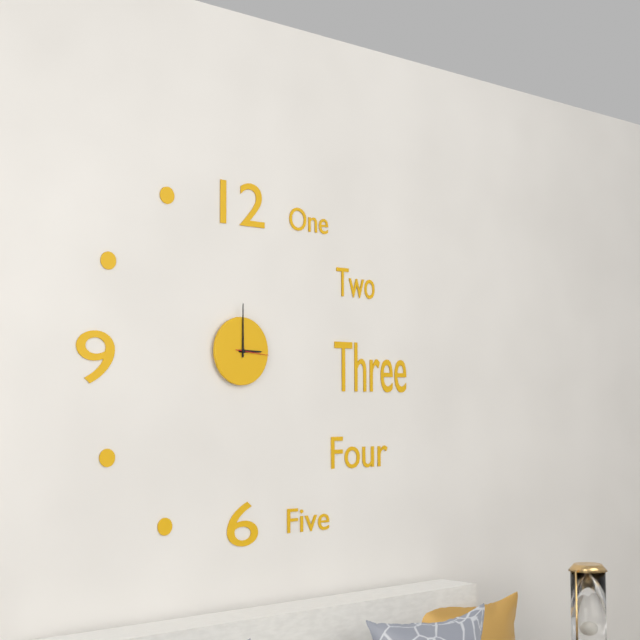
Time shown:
{"hour": 3, "minute": 0}
